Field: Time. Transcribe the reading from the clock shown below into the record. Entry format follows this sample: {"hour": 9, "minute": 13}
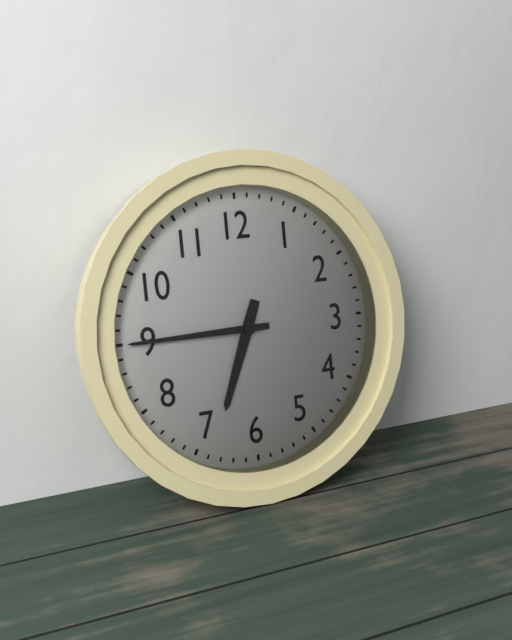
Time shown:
{"hour": 6, "minute": 45}
